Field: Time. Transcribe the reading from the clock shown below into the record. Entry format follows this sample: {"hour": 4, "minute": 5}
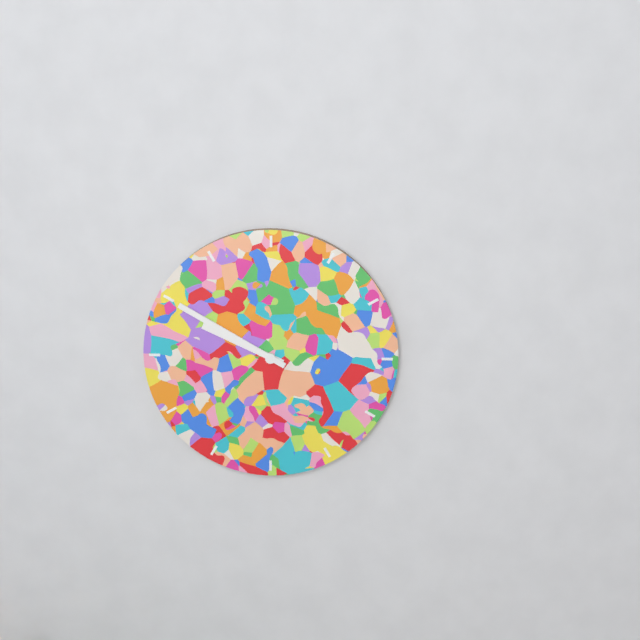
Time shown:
{"hour": 9, "minute": 50}
